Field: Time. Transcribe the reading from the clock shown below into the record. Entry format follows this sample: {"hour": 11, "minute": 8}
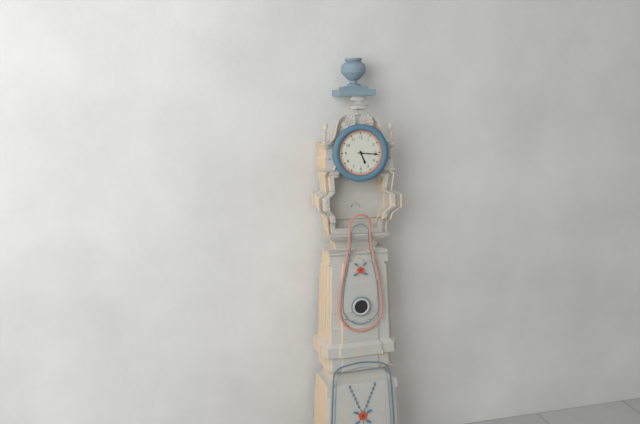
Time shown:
{"hour": 5, "minute": 16}
